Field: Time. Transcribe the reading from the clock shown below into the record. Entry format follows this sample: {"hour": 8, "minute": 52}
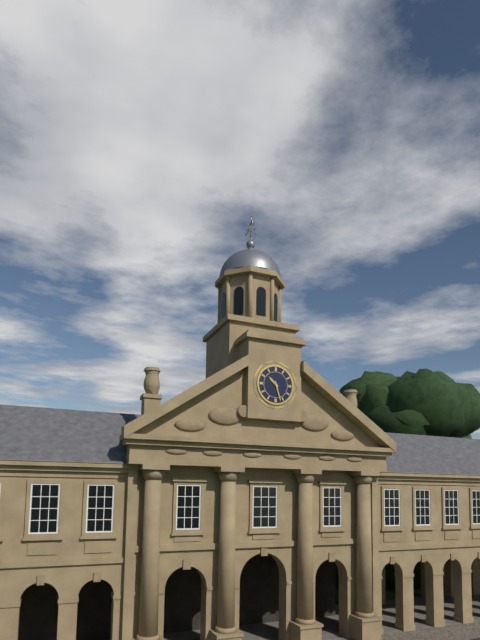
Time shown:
{"hour": 10, "minute": 27}
